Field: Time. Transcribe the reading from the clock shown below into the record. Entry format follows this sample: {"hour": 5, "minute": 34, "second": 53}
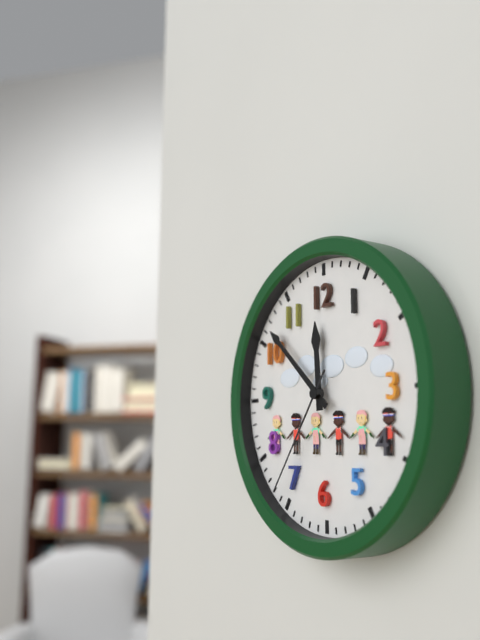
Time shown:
{"hour": 11, "minute": 52, "second": 36}
